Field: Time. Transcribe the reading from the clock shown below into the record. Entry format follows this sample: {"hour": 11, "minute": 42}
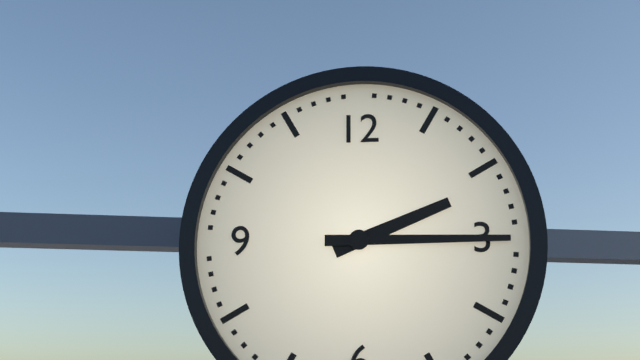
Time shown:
{"hour": 2, "minute": 15}
